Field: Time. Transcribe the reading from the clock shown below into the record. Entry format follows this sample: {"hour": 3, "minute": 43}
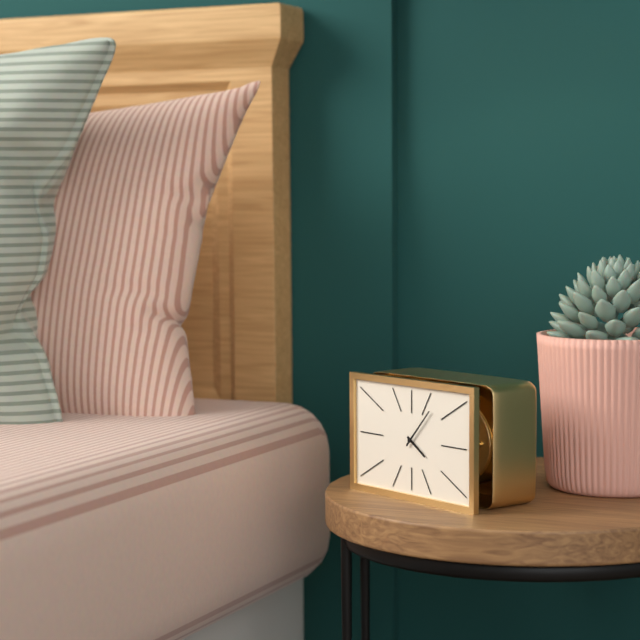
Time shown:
{"hour": 4, "minute": 7}
